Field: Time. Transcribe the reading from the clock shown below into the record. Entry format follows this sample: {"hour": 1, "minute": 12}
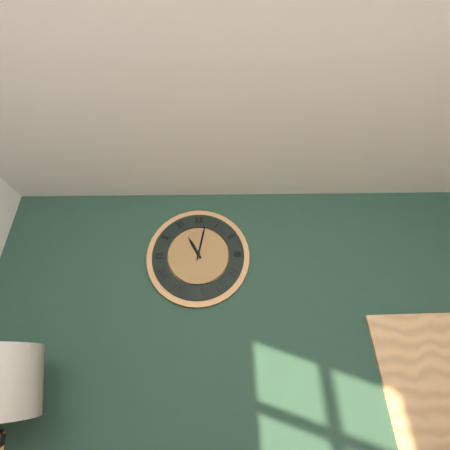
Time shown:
{"hour": 11, "minute": 2}
